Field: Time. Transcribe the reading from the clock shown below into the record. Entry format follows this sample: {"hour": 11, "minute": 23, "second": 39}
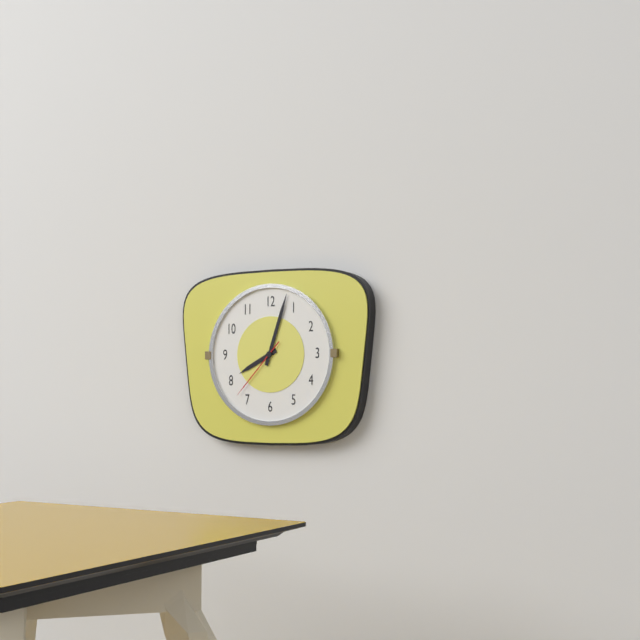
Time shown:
{"hour": 8, "minute": 3, "second": 37}
